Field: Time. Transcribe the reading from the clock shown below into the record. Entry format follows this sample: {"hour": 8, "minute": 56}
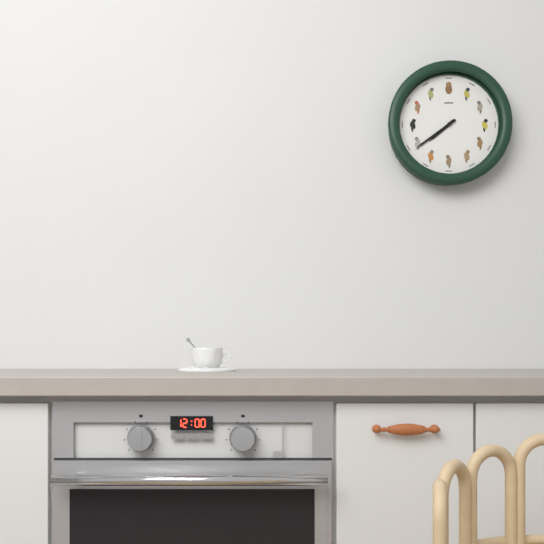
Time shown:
{"hour": 7, "minute": 39}
